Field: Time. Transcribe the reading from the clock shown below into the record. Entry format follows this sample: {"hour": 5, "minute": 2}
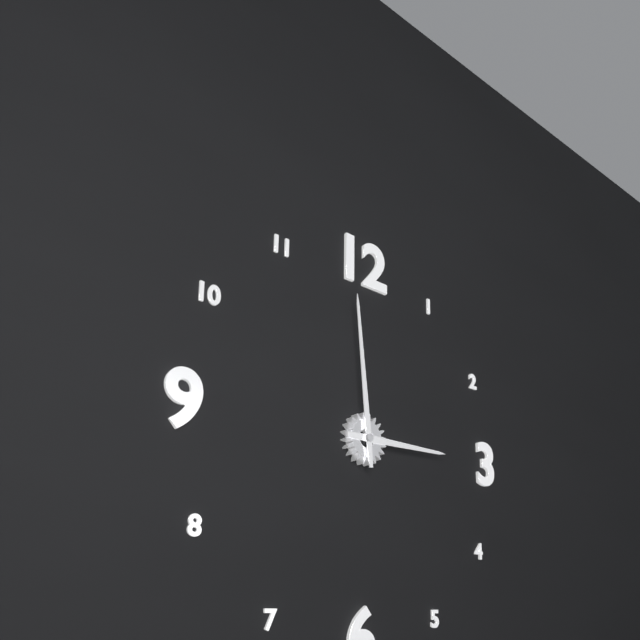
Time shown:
{"hour": 2, "minute": 59}
